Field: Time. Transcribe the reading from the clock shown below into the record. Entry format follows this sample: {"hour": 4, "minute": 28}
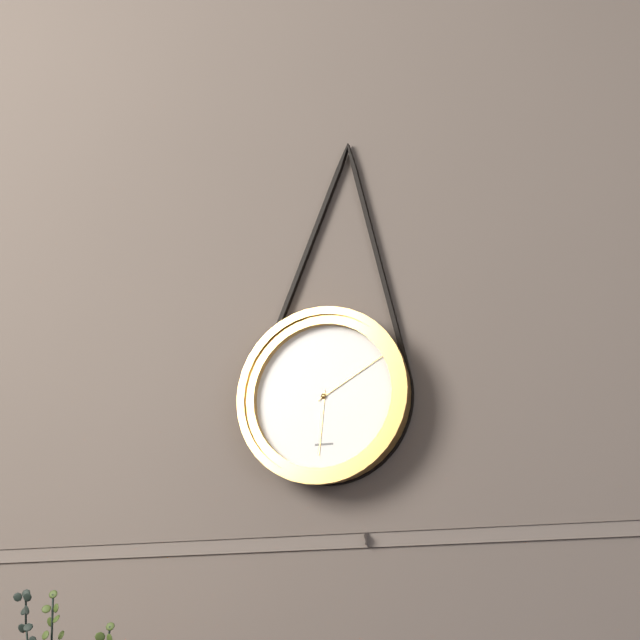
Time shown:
{"hour": 6, "minute": 10}
